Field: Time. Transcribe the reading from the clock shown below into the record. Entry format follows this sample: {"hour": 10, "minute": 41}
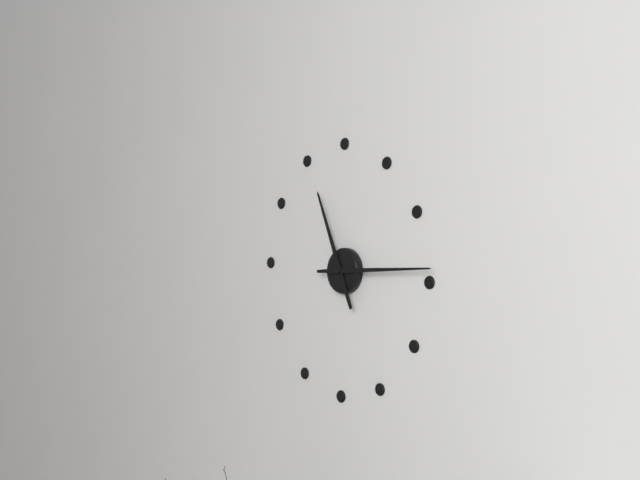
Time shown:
{"hour": 11, "minute": 15}
